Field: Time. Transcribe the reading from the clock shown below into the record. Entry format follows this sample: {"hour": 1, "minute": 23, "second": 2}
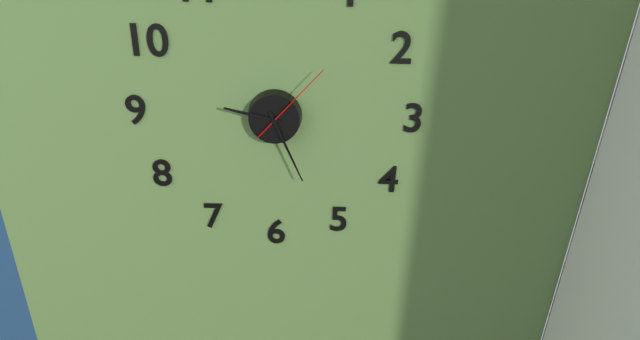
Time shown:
{"hour": 9, "minute": 26, "second": 7}
